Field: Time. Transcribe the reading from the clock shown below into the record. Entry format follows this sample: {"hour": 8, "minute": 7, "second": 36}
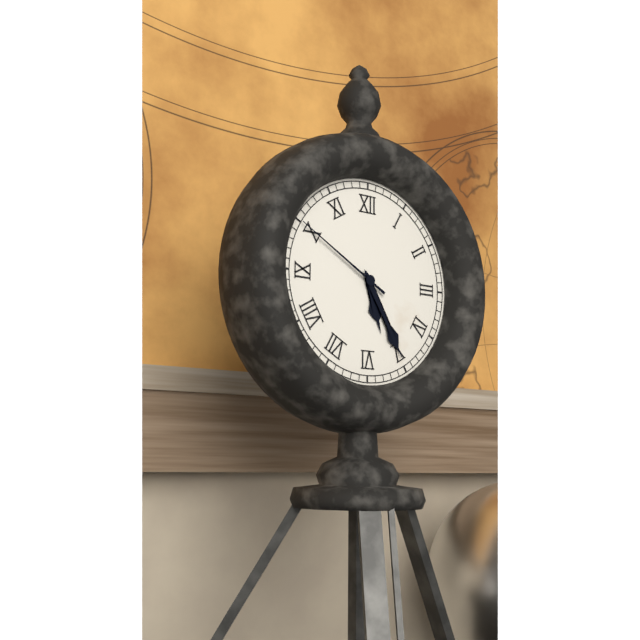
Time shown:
{"hour": 5, "minute": 25, "second": 50}
